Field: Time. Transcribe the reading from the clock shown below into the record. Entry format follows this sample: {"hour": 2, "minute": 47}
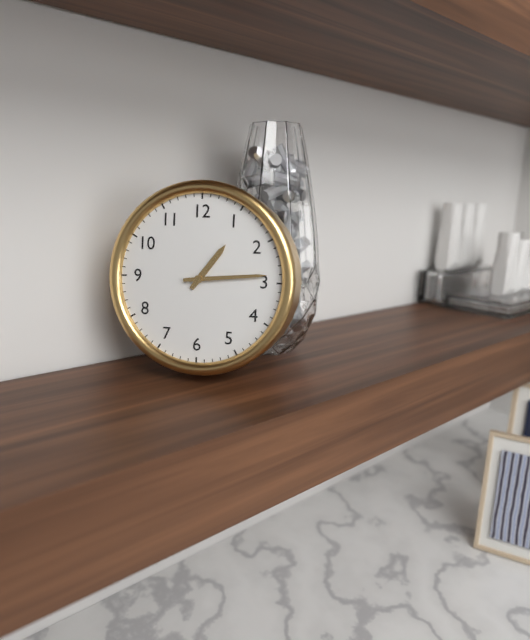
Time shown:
{"hour": 1, "minute": 14}
